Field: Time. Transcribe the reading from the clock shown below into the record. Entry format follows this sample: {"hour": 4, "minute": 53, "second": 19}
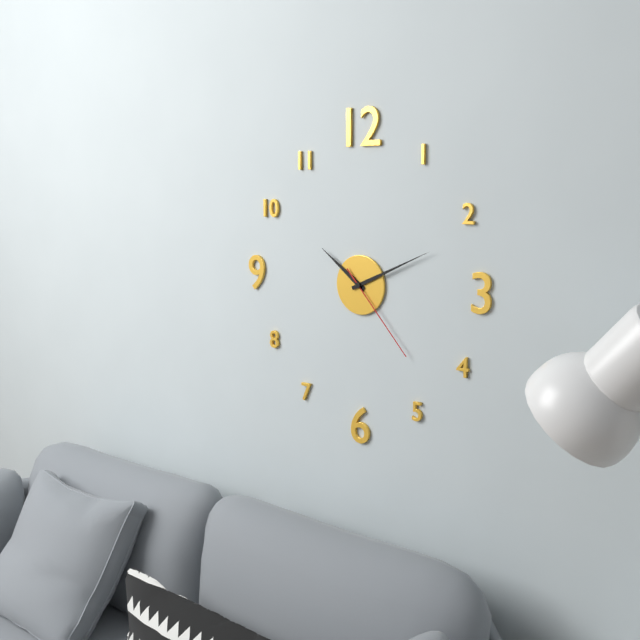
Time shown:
{"hour": 10, "minute": 11, "second": 23}
